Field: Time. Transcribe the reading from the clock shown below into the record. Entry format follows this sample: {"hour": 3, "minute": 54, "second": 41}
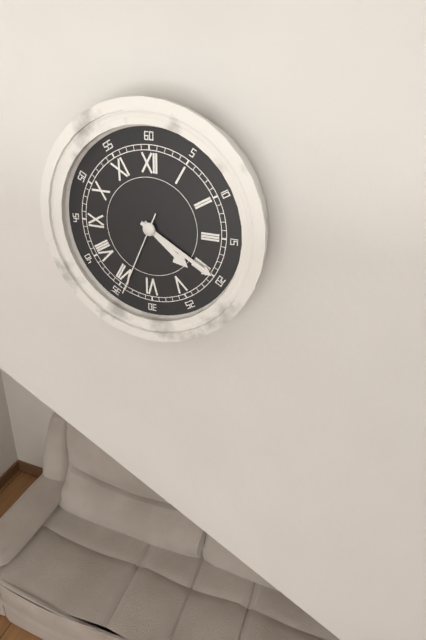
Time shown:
{"hour": 4, "minute": 20, "second": 34}
